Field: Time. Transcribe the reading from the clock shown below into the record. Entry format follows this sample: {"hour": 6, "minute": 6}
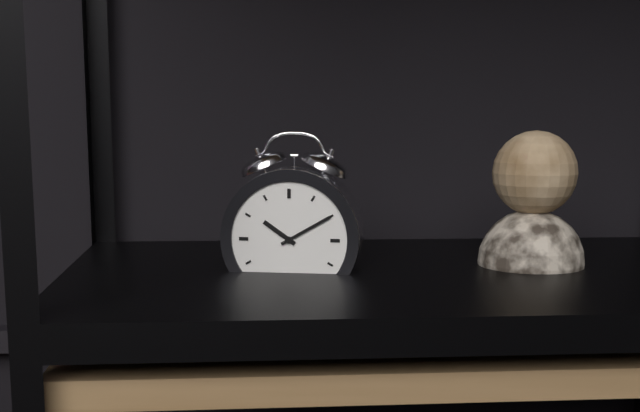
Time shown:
{"hour": 10, "minute": 10}
